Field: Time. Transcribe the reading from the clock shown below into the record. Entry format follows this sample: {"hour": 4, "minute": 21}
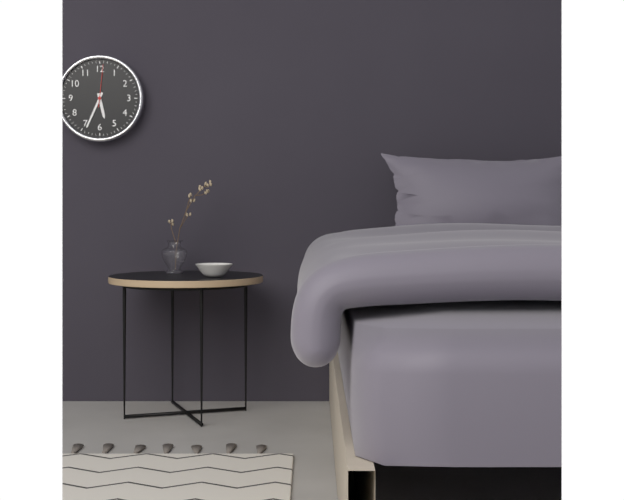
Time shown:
{"hour": 5, "minute": 34}
